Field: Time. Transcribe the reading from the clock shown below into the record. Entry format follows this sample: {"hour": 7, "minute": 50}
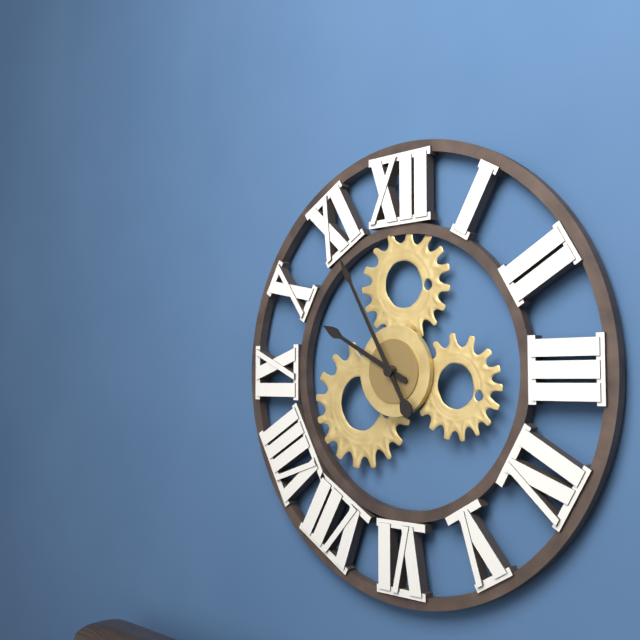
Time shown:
{"hour": 9, "minute": 55}
